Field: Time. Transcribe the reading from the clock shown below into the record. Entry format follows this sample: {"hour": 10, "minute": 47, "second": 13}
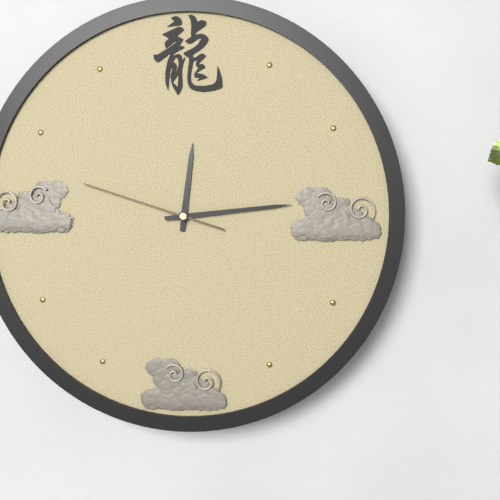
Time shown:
{"hour": 12, "minute": 14, "second": 48}
